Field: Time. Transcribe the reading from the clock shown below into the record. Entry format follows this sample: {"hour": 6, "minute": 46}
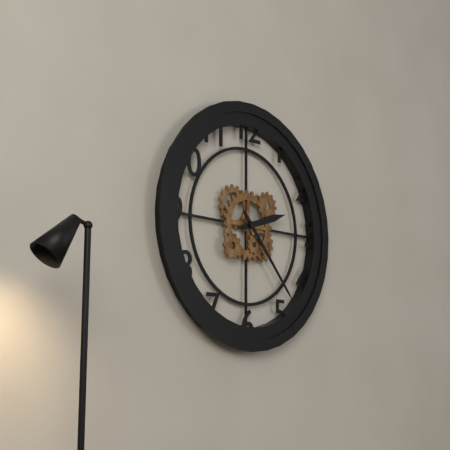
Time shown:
{"hour": 2, "minute": 23}
